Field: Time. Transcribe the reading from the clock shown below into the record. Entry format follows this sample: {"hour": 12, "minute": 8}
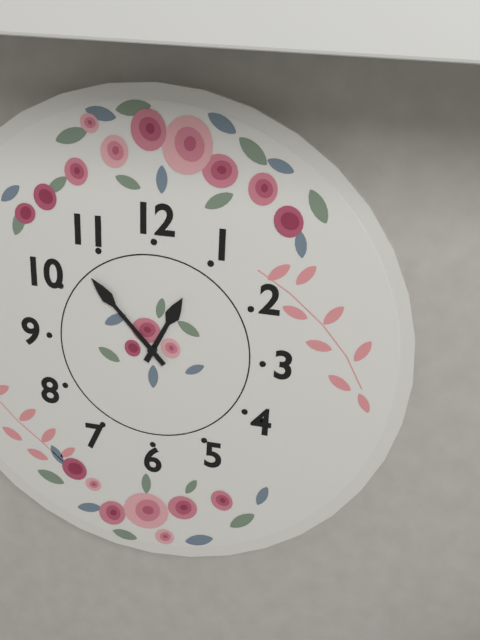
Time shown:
{"hour": 12, "minute": 53}
